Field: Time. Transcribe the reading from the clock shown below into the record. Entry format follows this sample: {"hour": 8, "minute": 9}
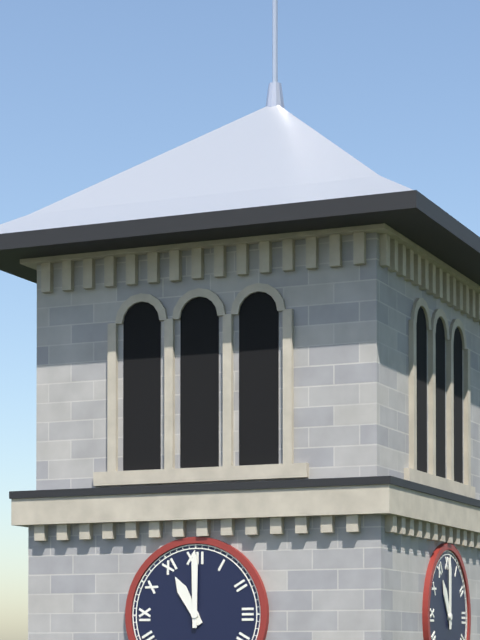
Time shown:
{"hour": 11, "minute": 0}
